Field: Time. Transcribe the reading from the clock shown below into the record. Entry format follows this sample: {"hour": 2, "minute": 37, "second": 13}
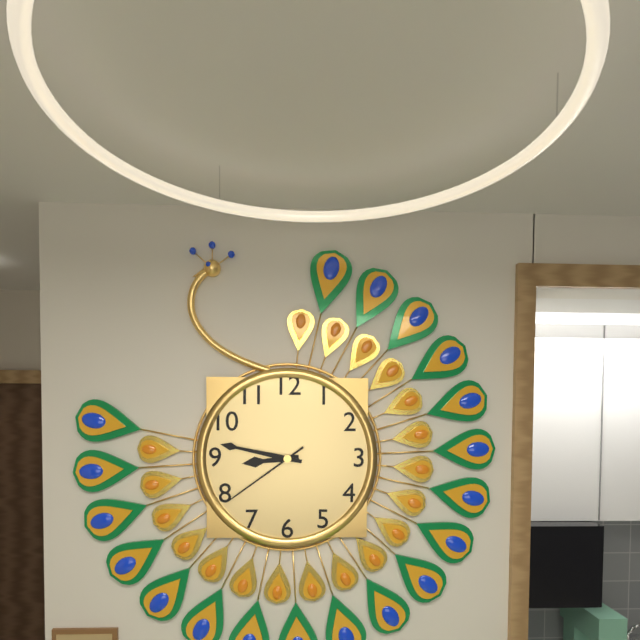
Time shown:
{"hour": 8, "minute": 47, "second": 39}
